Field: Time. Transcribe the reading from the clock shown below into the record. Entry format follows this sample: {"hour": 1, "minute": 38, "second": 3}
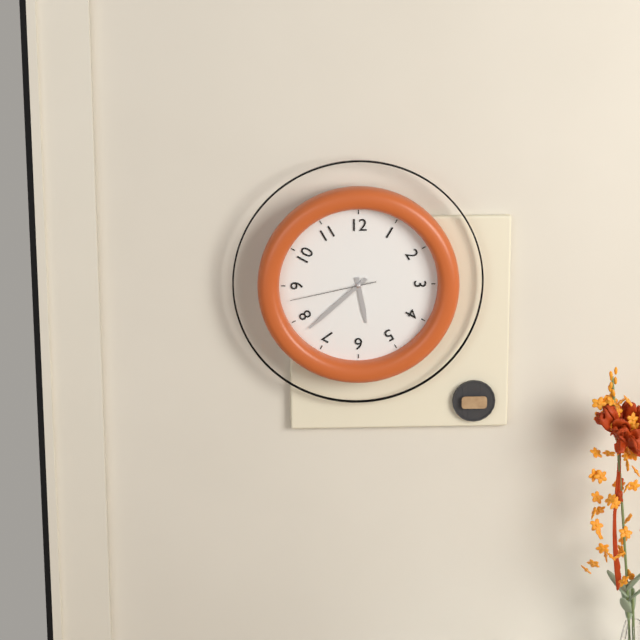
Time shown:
{"hour": 5, "minute": 38, "second": 43}
